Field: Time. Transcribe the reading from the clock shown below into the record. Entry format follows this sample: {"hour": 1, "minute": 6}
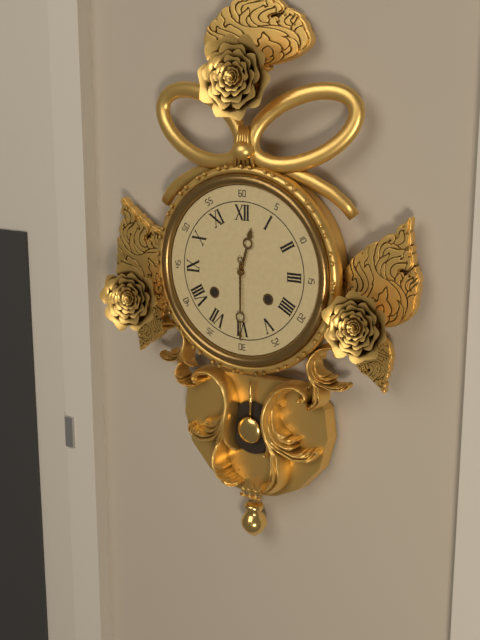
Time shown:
{"hour": 12, "minute": 30}
